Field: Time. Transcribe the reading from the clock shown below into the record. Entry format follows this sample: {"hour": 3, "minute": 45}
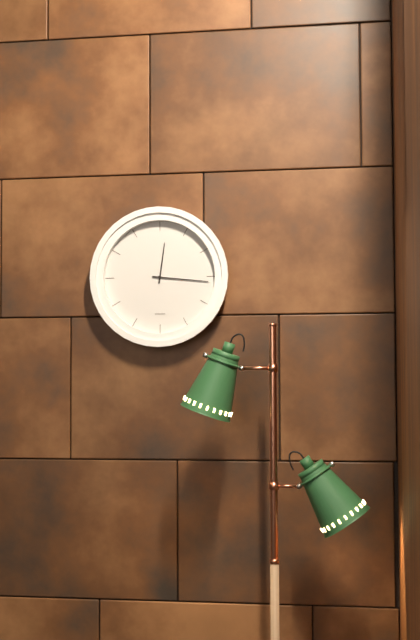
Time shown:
{"hour": 12, "minute": 16}
